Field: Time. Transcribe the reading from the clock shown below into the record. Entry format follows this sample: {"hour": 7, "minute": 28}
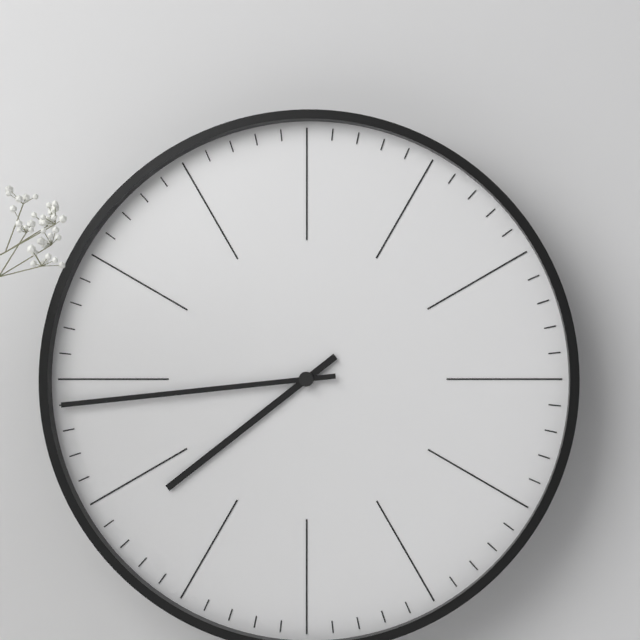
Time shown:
{"hour": 7, "minute": 44}
